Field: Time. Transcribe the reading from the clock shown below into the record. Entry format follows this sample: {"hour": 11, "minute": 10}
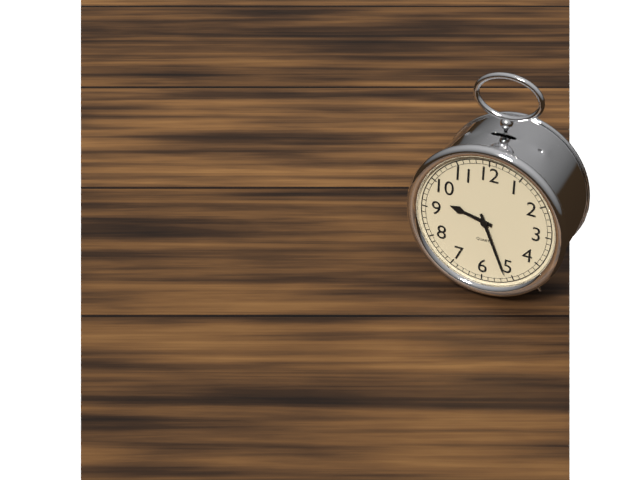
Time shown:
{"hour": 9, "minute": 26}
